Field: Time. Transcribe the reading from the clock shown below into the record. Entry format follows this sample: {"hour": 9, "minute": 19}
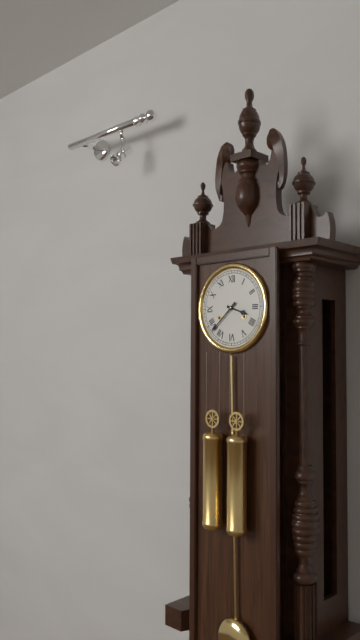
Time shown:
{"hour": 3, "minute": 38}
